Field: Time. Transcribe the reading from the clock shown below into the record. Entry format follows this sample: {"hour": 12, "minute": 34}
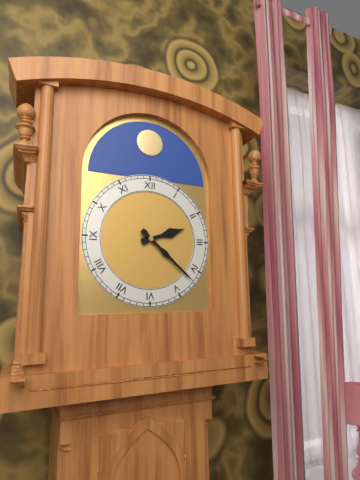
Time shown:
{"hour": 2, "minute": 22}
